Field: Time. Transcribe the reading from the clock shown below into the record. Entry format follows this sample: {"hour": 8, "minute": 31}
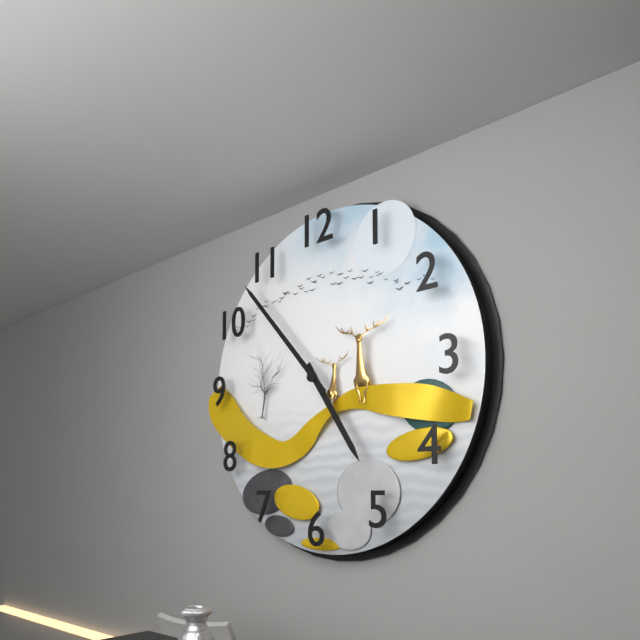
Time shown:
{"hour": 4, "minute": 53}
